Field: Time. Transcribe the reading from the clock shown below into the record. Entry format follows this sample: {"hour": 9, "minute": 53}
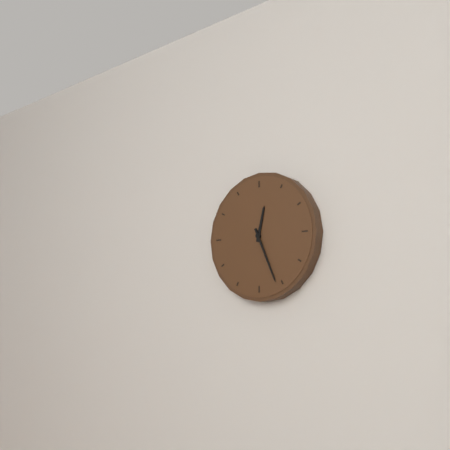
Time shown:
{"hour": 12, "minute": 26}
